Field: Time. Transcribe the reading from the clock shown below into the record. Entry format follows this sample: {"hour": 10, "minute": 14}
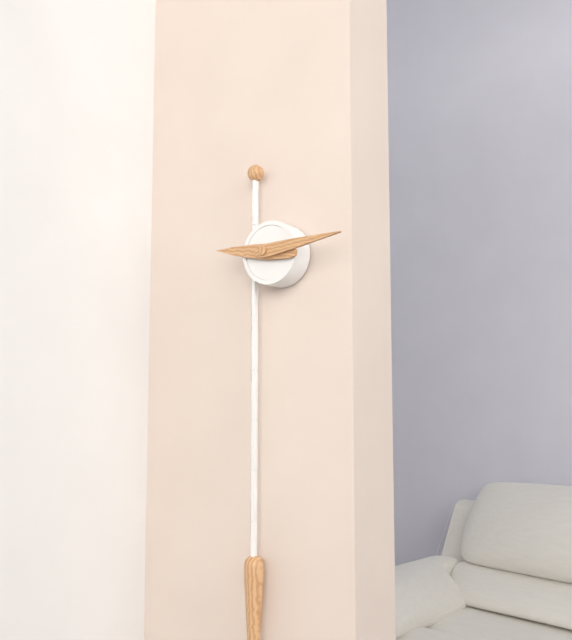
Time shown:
{"hour": 9, "minute": 14}
